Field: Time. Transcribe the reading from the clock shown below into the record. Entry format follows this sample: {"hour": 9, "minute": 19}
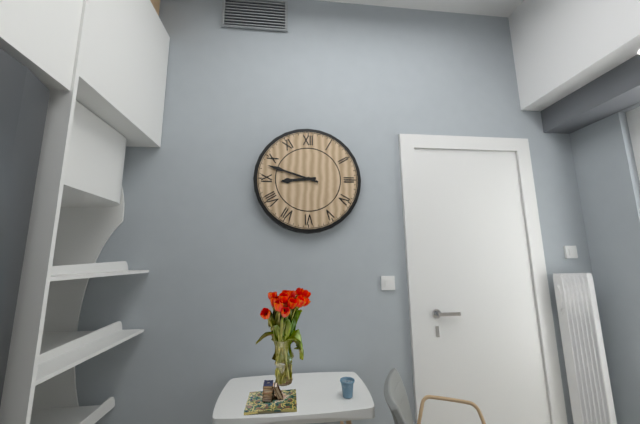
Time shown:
{"hour": 8, "minute": 48}
